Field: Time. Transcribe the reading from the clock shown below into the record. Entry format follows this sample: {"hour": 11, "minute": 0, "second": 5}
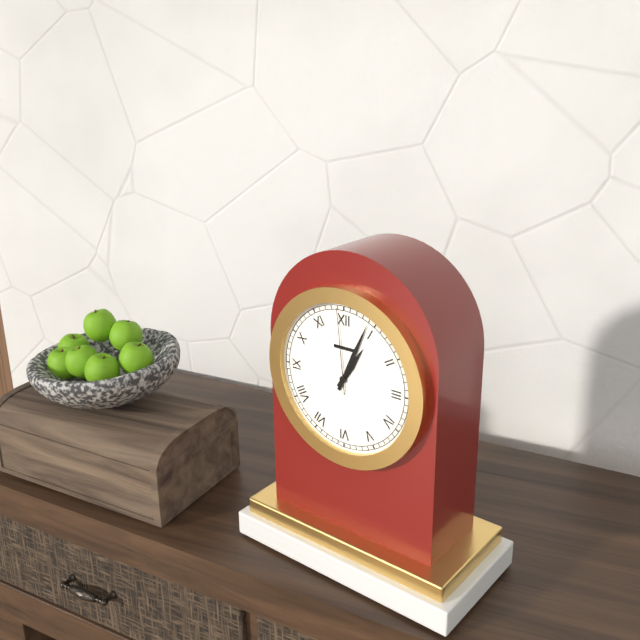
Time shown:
{"hour": 1, "minute": 4, "second": 59}
